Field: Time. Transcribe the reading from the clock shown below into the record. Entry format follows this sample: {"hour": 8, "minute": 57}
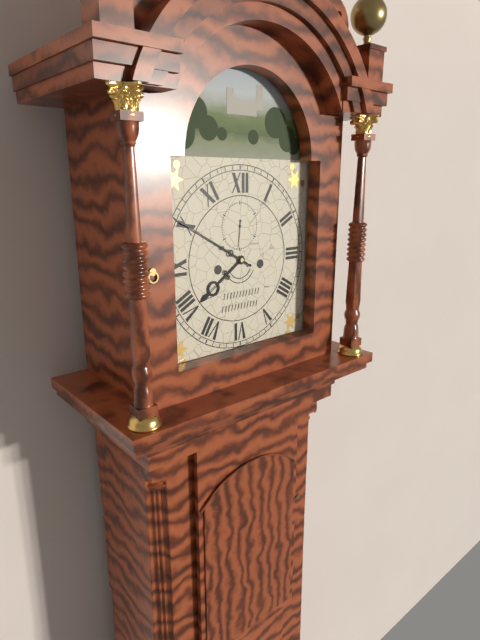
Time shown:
{"hour": 7, "minute": 50}
